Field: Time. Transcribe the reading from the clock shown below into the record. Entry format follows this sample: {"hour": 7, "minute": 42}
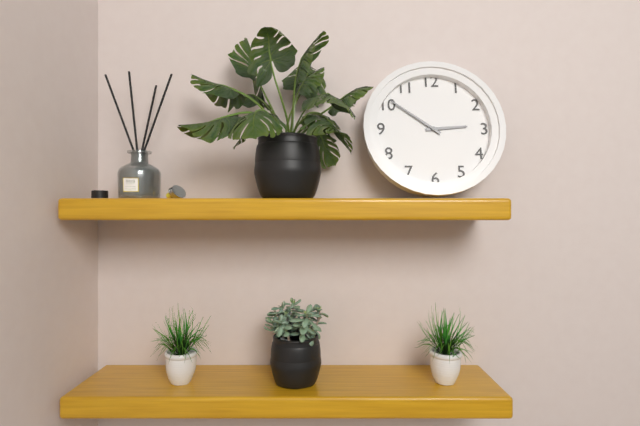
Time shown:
{"hour": 2, "minute": 51}
